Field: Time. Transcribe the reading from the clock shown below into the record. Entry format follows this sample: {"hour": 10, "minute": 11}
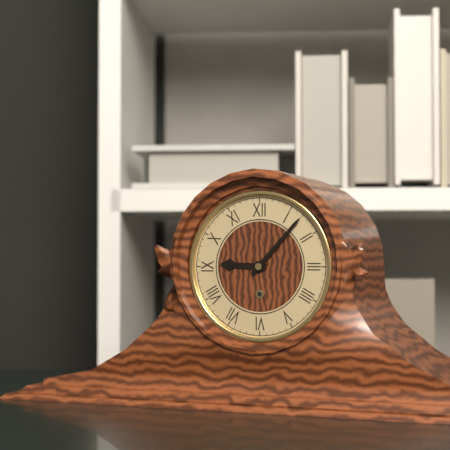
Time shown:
{"hour": 9, "minute": 7}
